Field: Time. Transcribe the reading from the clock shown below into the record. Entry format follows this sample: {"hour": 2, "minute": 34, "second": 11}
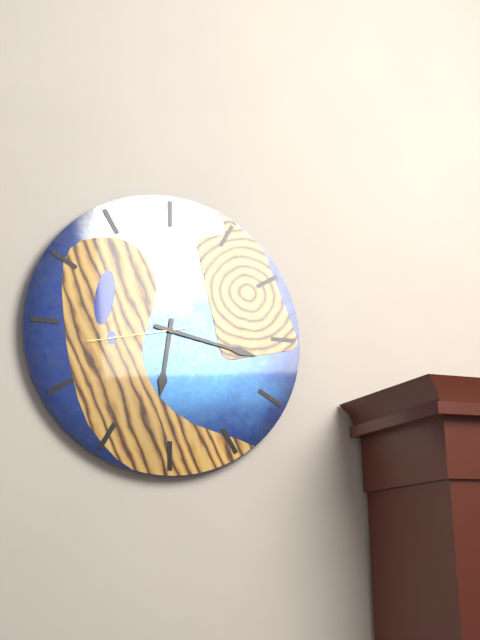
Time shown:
{"hour": 6, "minute": 17, "second": 43}
